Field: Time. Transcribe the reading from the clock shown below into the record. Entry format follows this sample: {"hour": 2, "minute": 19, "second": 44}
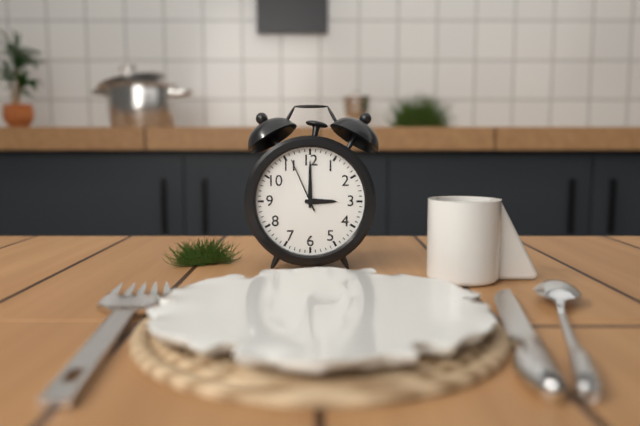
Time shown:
{"hour": 3, "minute": 0, "second": 56}
